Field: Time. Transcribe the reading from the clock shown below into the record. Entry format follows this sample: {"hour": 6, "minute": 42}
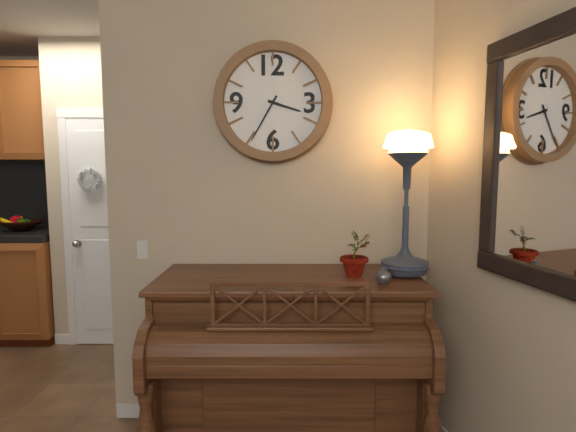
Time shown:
{"hour": 3, "minute": 35}
